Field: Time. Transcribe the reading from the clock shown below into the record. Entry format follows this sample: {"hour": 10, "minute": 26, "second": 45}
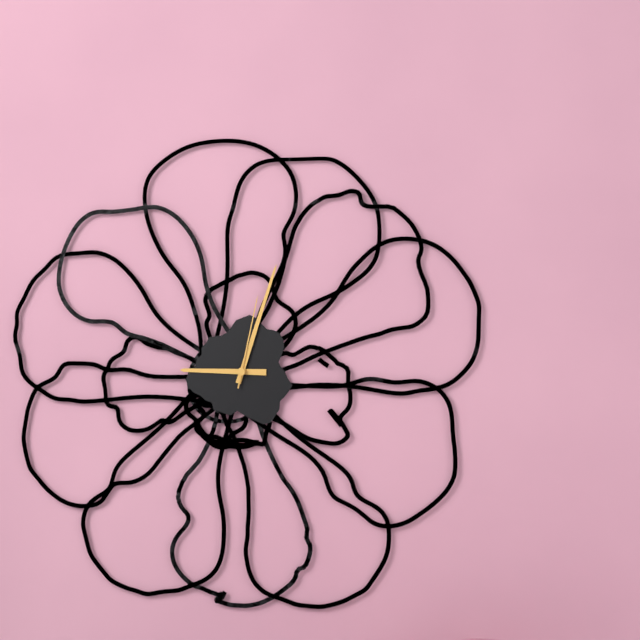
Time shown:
{"hour": 9, "minute": 3, "second": 2}
